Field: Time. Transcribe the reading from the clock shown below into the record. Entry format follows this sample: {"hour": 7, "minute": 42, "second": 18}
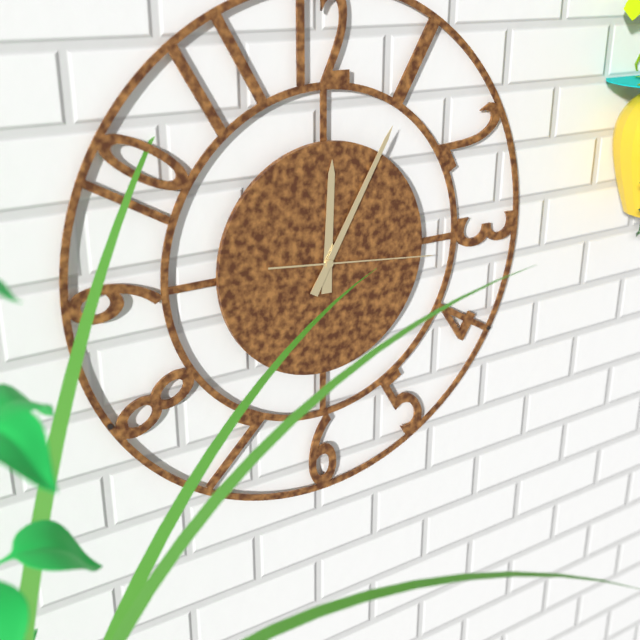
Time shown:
{"hour": 12, "minute": 5, "second": 16}
